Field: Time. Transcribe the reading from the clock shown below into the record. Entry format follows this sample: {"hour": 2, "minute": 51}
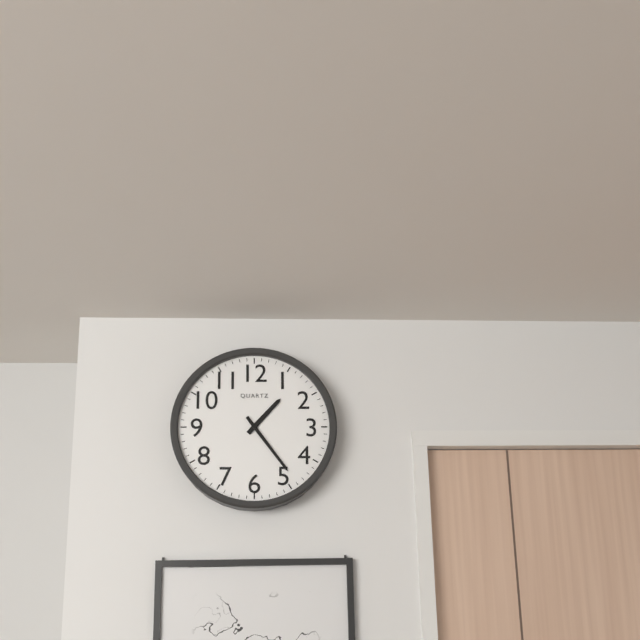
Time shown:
{"hour": 1, "minute": 24}
